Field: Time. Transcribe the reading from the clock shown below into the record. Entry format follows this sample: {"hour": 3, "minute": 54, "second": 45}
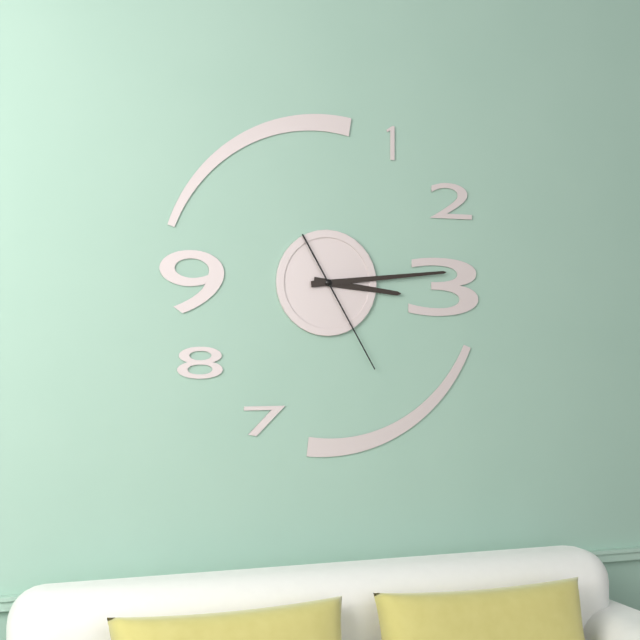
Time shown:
{"hour": 3, "minute": 14, "second": 25}
